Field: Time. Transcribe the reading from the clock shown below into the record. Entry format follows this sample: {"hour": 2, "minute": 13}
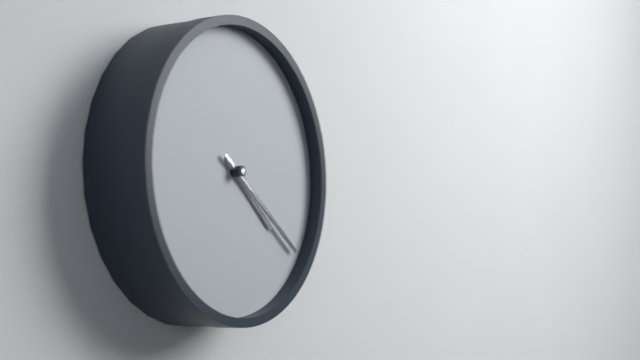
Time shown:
{"hour": 4, "minute": 21}
